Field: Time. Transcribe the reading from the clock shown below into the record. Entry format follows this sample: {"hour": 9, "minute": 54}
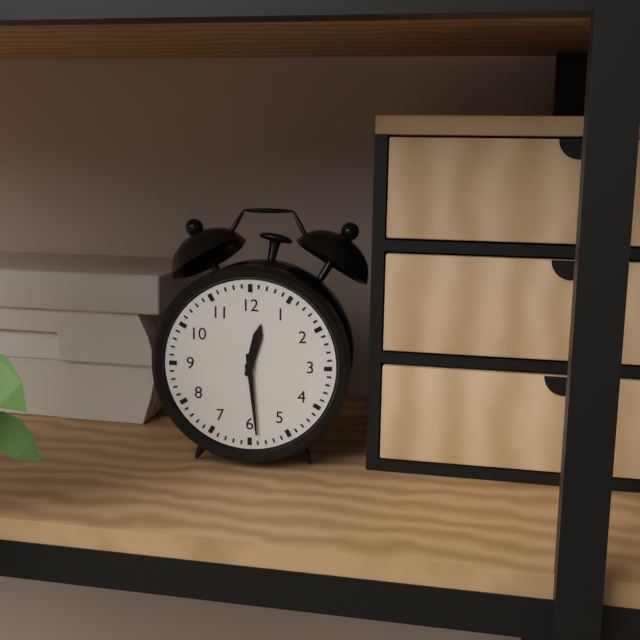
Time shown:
{"hour": 12, "minute": 29}
